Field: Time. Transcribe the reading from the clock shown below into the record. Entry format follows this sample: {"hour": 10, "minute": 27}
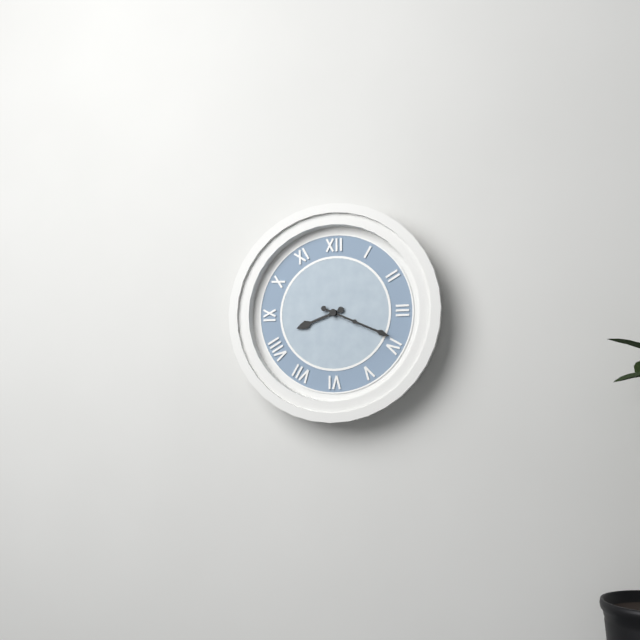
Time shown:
{"hour": 8, "minute": 19}
